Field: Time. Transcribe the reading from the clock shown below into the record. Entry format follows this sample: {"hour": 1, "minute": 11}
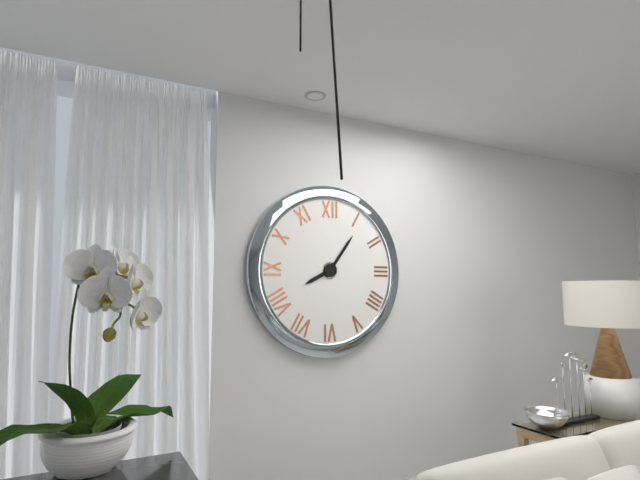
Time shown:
{"hour": 8, "minute": 6}
